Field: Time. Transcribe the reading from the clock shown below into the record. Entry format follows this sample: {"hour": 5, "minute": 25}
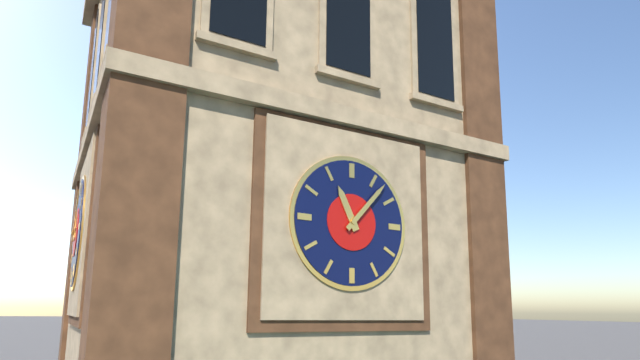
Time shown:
{"hour": 11, "minute": 7}
